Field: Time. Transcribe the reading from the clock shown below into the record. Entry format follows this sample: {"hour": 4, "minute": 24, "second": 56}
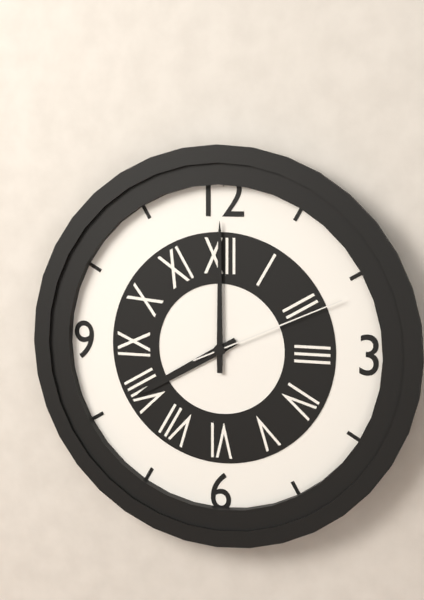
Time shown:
{"hour": 8, "minute": 0, "second": 11}
